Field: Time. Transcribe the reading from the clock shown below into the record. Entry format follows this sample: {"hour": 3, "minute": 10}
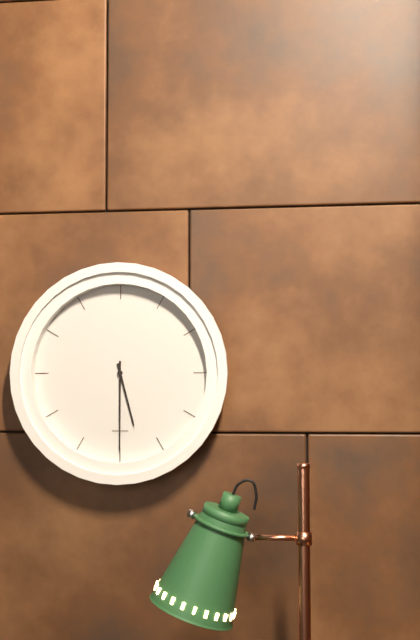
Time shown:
{"hour": 5, "minute": 30}
